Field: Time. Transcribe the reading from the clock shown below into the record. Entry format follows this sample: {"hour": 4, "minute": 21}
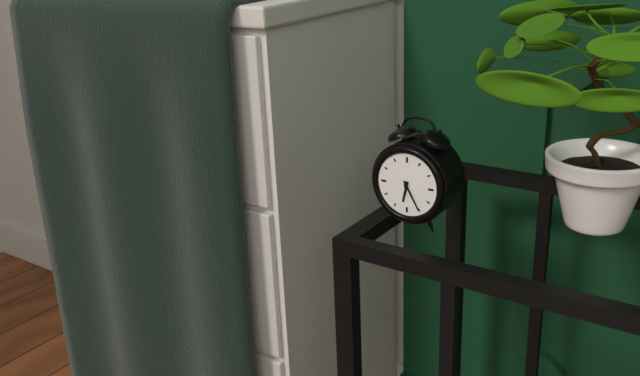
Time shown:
{"hour": 6, "minute": 25}
